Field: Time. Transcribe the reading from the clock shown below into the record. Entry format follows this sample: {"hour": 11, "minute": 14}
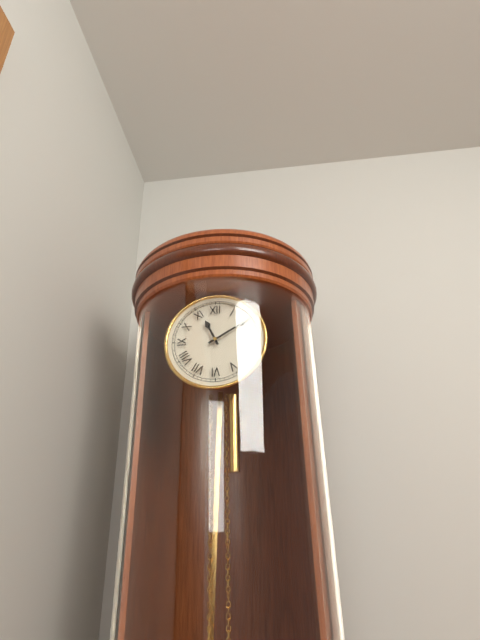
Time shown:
{"hour": 11, "minute": 10}
